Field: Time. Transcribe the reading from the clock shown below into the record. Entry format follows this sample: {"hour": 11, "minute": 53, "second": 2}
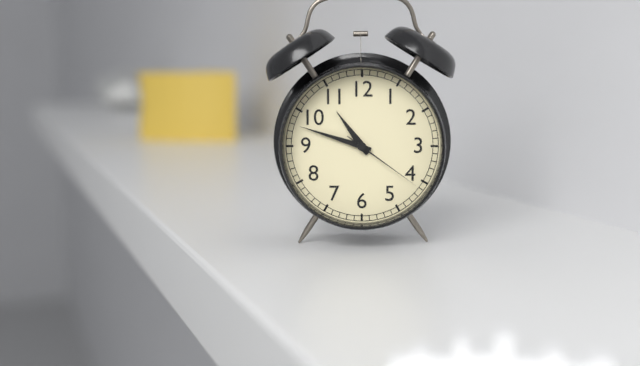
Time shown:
{"hour": 10, "minute": 48, "second": 21}
